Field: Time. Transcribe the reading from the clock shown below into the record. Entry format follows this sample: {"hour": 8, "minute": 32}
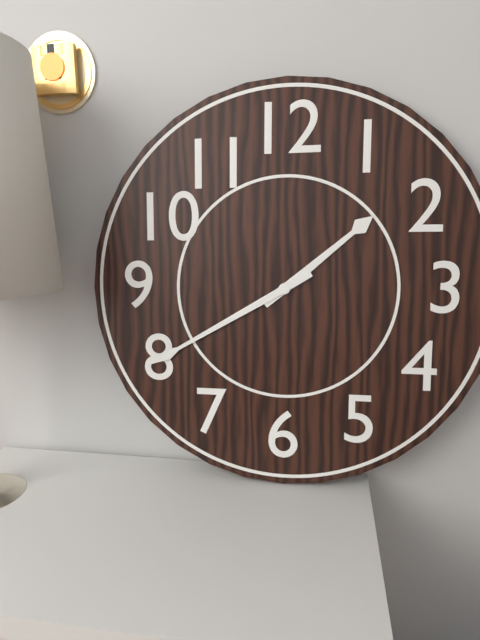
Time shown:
{"hour": 1, "minute": 40}
